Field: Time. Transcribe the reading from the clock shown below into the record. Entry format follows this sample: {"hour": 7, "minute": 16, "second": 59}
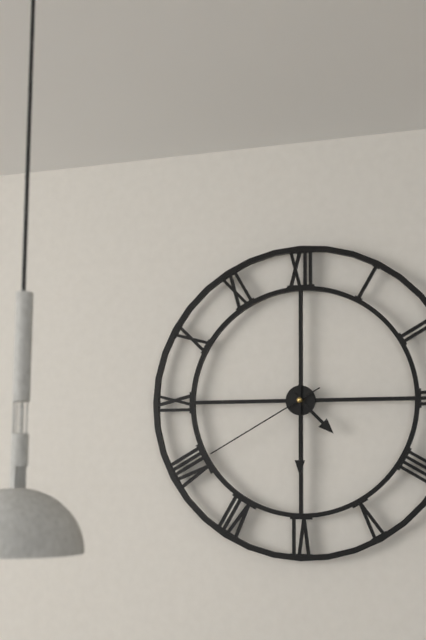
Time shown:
{"hour": 4, "minute": 30, "second": 40}
